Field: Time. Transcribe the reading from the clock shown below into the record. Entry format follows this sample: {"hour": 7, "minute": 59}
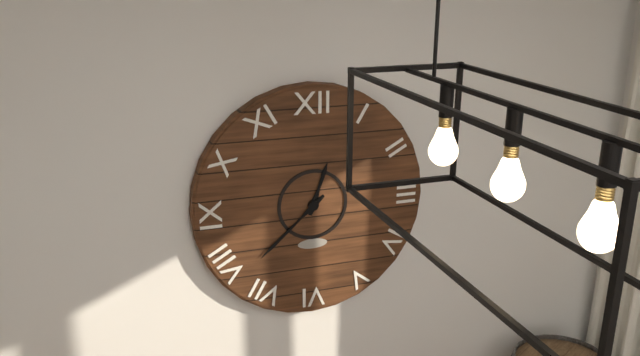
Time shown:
{"hour": 12, "minute": 38}
